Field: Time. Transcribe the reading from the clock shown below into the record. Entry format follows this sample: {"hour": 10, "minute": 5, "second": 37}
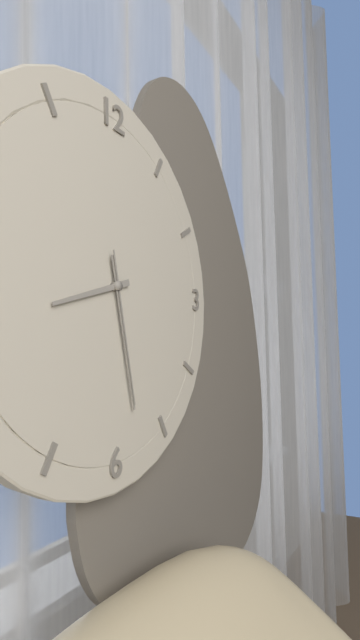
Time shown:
{"hour": 8, "minute": 28, "second": 28}
